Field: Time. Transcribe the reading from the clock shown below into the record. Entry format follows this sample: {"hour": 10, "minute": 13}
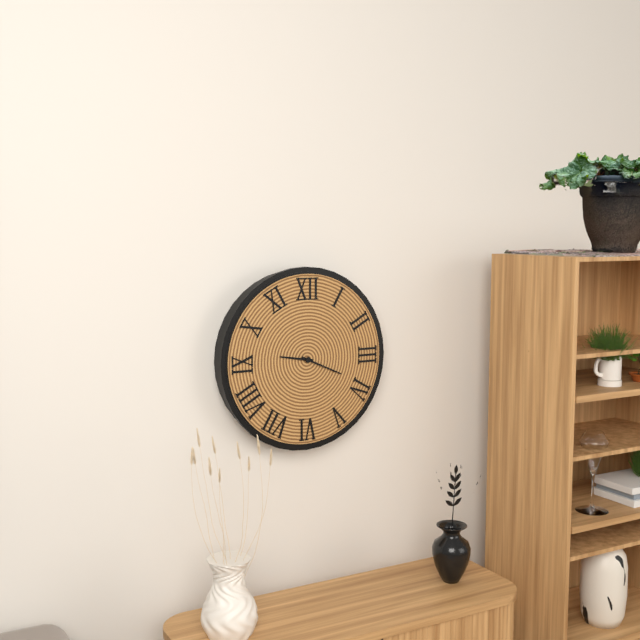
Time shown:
{"hour": 9, "minute": 19}
